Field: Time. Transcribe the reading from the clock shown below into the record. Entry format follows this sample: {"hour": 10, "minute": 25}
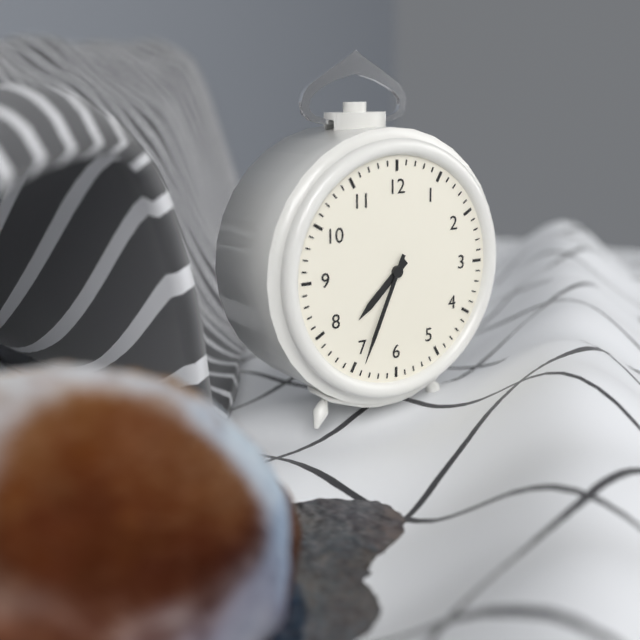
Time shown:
{"hour": 7, "minute": 34}
